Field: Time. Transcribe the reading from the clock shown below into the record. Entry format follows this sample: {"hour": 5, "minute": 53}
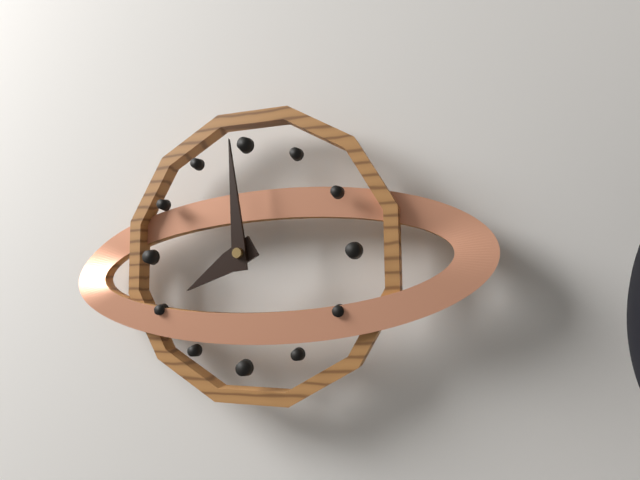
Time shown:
{"hour": 7, "minute": 59}
